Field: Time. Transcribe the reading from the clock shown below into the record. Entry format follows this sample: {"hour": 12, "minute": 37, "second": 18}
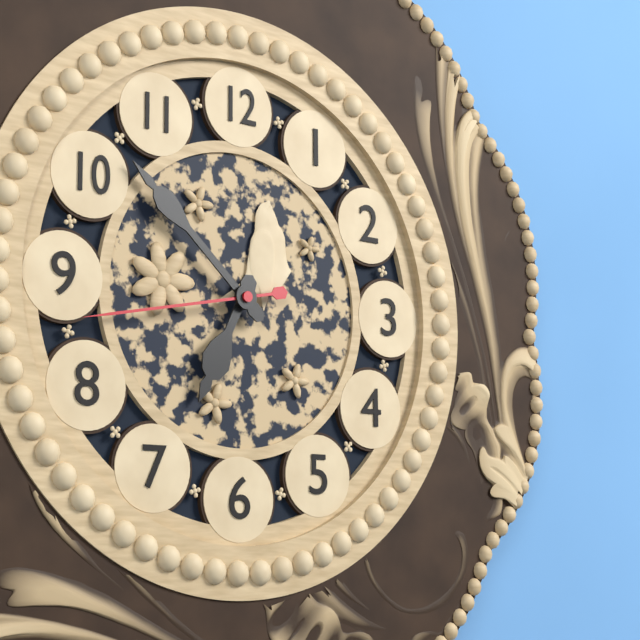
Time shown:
{"hour": 6, "minute": 52, "second": 43}
